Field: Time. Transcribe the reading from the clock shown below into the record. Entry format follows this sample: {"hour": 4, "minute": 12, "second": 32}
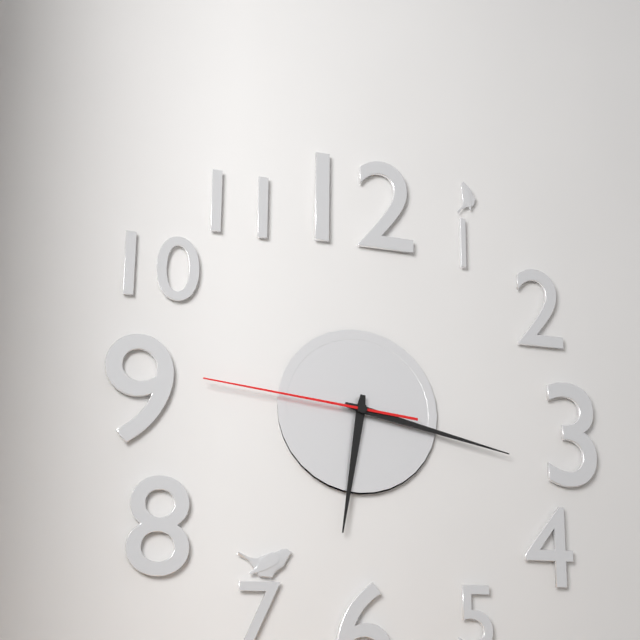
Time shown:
{"hour": 6, "minute": 17, "second": 46}
